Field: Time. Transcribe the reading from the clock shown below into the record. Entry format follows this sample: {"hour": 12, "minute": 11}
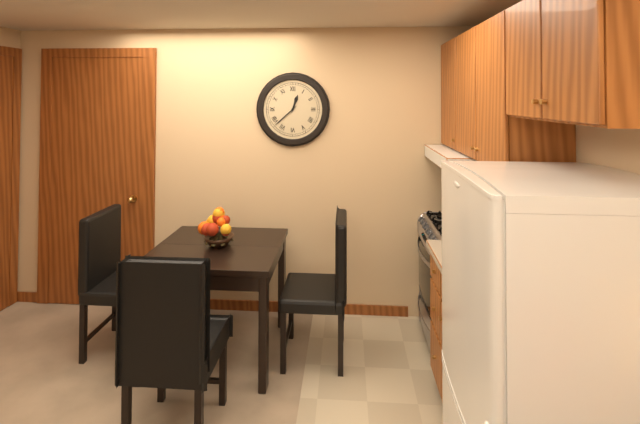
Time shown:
{"hour": 12, "minute": 38}
